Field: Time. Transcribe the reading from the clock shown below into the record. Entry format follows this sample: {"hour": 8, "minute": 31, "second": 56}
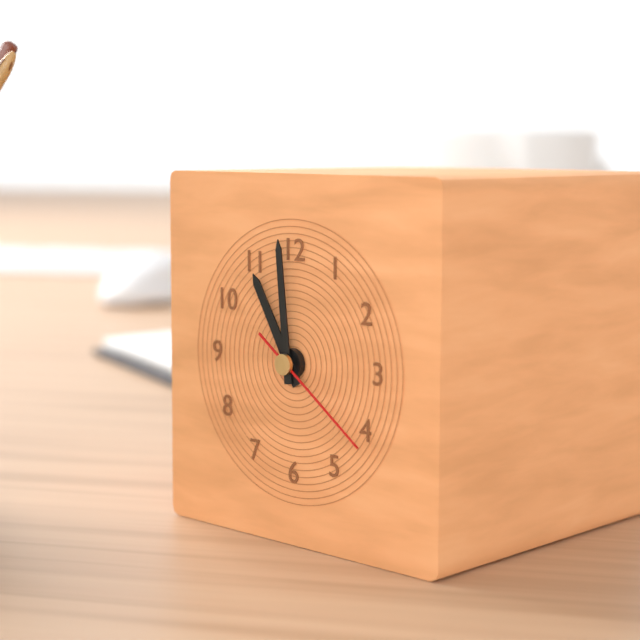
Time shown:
{"hour": 10, "minute": 59, "second": 21}
